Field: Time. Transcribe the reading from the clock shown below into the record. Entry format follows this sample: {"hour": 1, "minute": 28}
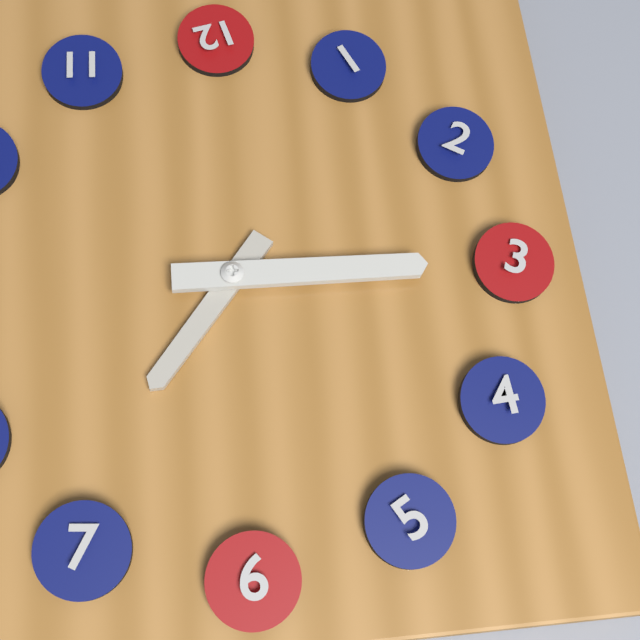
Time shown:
{"hour": 7, "minute": 15}
